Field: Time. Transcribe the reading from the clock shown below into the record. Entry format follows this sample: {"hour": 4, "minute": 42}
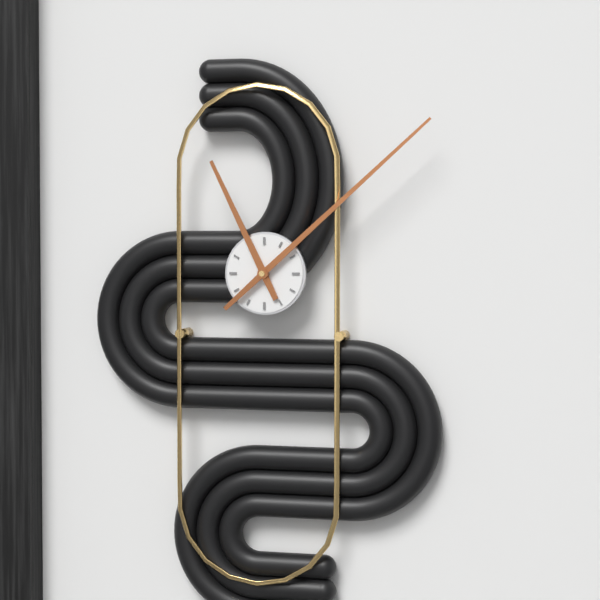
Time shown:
{"hour": 11, "minute": 8}
